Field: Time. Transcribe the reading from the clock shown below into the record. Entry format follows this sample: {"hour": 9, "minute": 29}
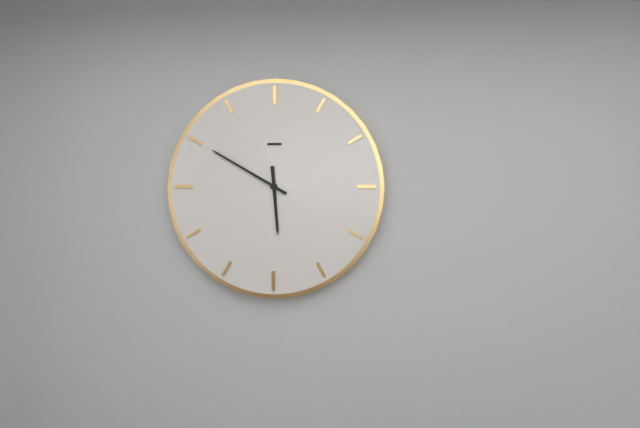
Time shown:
{"hour": 5, "minute": 50}
